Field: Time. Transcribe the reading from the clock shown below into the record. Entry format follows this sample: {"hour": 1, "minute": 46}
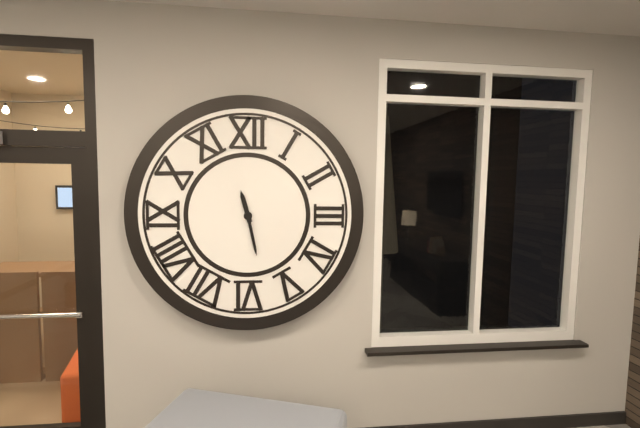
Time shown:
{"hour": 11, "minute": 28}
